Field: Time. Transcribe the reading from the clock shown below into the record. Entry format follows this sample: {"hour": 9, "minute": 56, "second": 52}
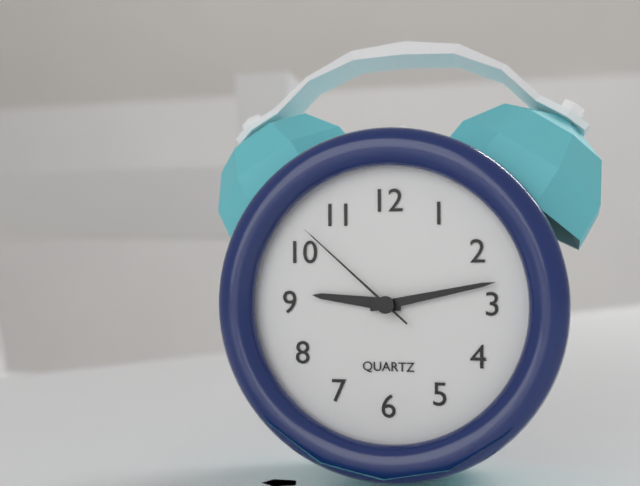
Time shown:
{"hour": 9, "minute": 13, "second": 52}
